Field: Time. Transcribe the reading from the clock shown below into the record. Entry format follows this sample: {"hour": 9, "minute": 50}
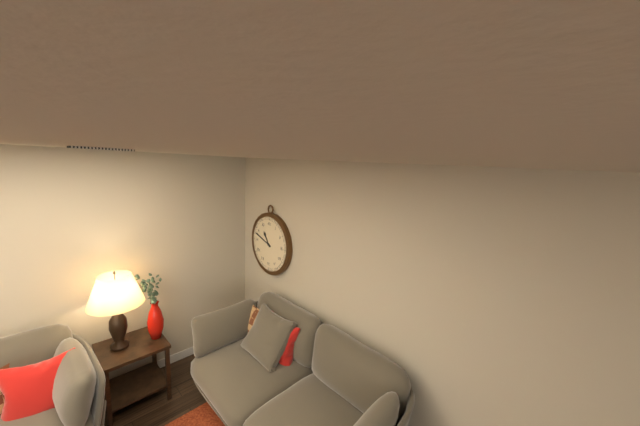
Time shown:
{"hour": 10, "minute": 48}
